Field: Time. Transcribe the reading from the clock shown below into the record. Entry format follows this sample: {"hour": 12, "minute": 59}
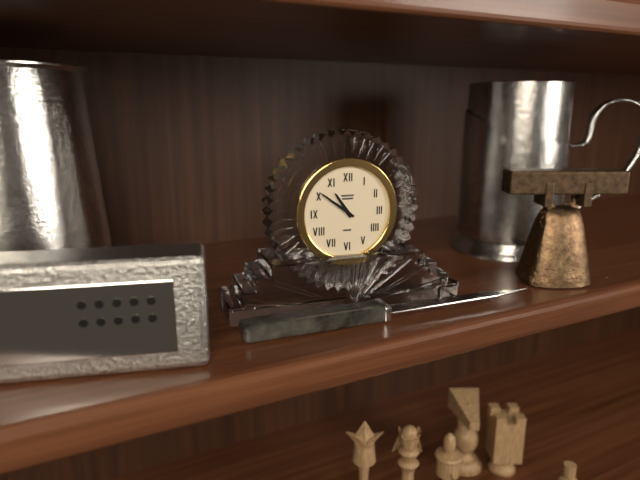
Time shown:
{"hour": 10, "minute": 51}
